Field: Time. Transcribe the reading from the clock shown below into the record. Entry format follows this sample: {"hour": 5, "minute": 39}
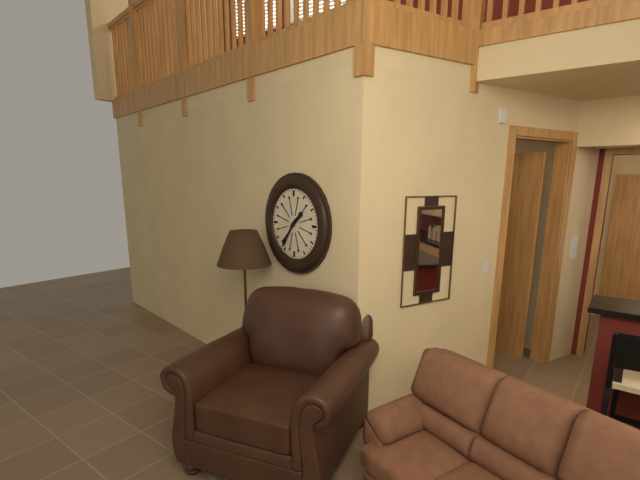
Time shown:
{"hour": 1, "minute": 36}
